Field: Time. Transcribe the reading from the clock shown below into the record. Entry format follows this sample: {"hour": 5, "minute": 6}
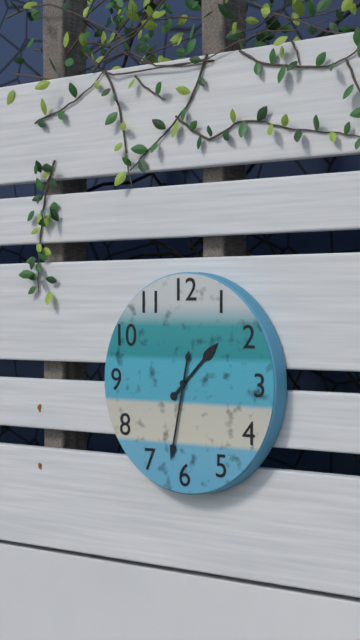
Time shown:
{"hour": 1, "minute": 32}
